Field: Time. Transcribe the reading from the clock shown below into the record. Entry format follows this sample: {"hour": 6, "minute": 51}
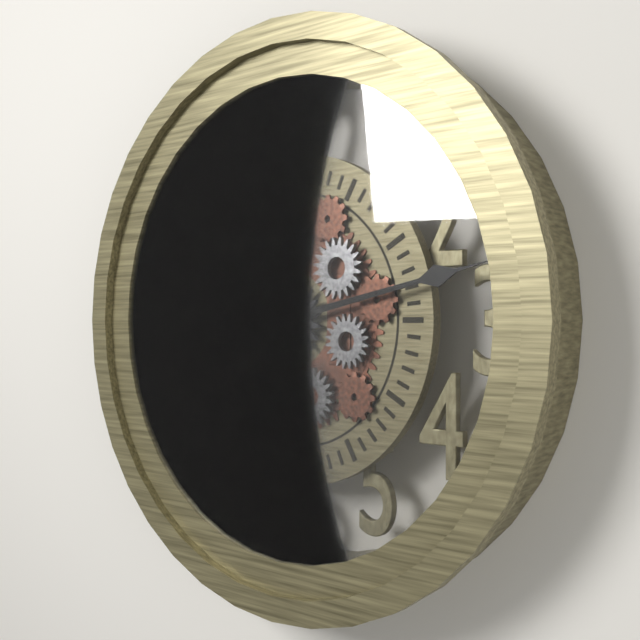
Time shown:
{"hour": 6, "minute": 13}
